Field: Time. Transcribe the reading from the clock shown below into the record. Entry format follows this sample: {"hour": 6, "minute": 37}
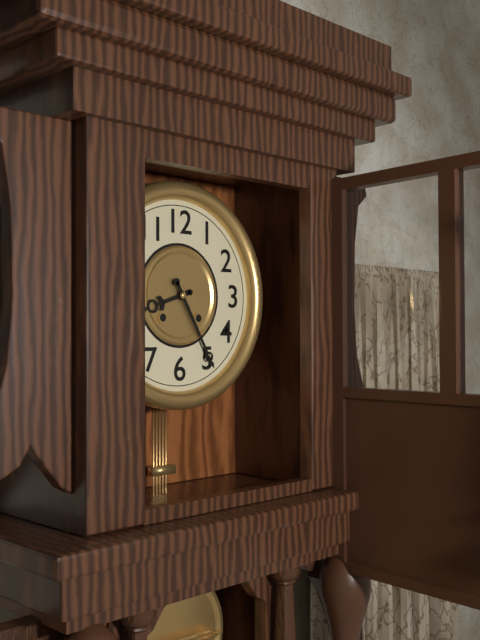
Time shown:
{"hour": 8, "minute": 25}
